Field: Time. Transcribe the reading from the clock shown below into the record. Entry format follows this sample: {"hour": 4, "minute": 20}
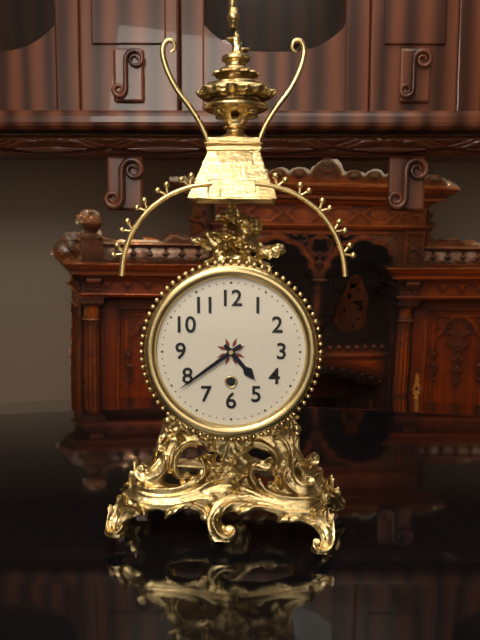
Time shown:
{"hour": 4, "minute": 39}
